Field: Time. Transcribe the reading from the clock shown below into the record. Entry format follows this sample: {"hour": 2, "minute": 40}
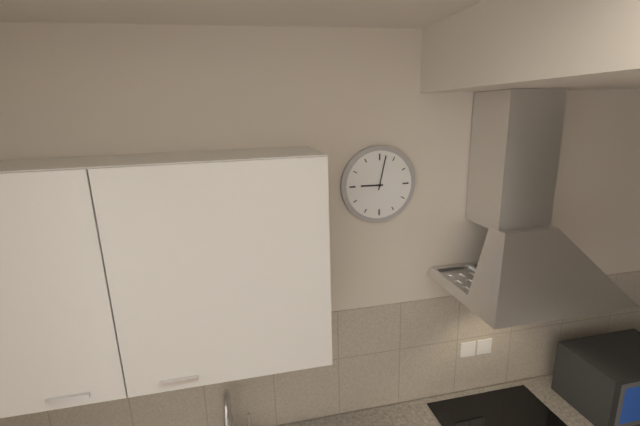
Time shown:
{"hour": 9, "minute": 2}
